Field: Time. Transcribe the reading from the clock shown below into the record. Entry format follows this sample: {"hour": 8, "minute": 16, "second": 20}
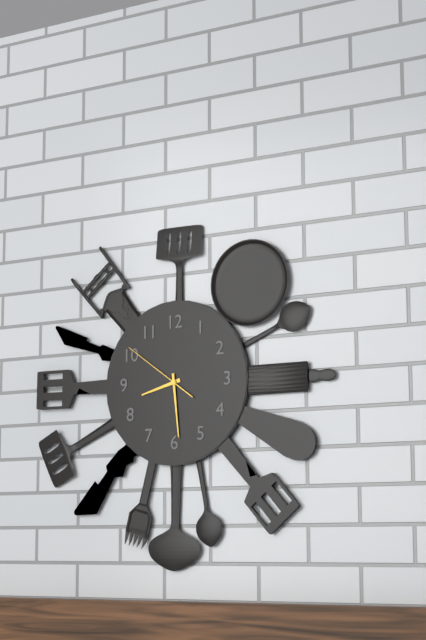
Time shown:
{"hour": 8, "minute": 29, "second": 51}
